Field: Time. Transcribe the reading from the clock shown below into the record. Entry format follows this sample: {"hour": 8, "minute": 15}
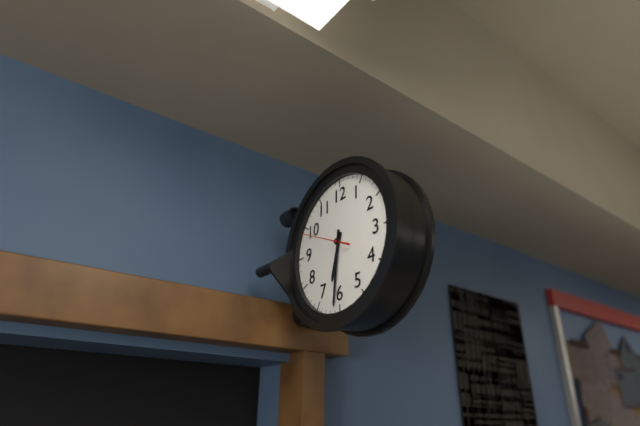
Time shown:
{"hour": 6, "minute": 31}
